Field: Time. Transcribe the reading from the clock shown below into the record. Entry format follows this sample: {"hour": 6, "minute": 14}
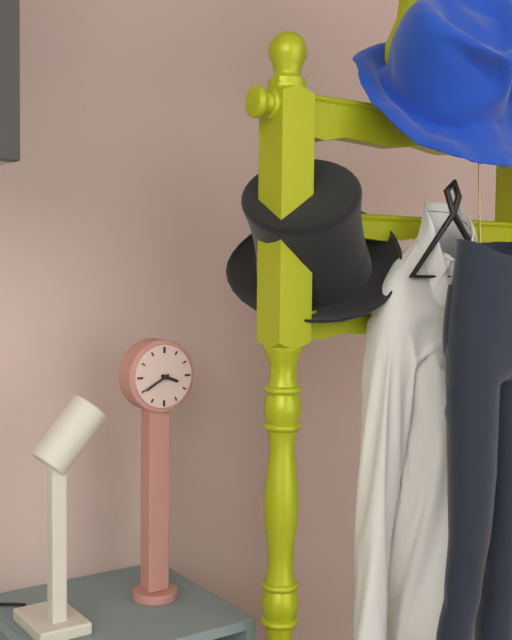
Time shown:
{"hour": 3, "minute": 40}
